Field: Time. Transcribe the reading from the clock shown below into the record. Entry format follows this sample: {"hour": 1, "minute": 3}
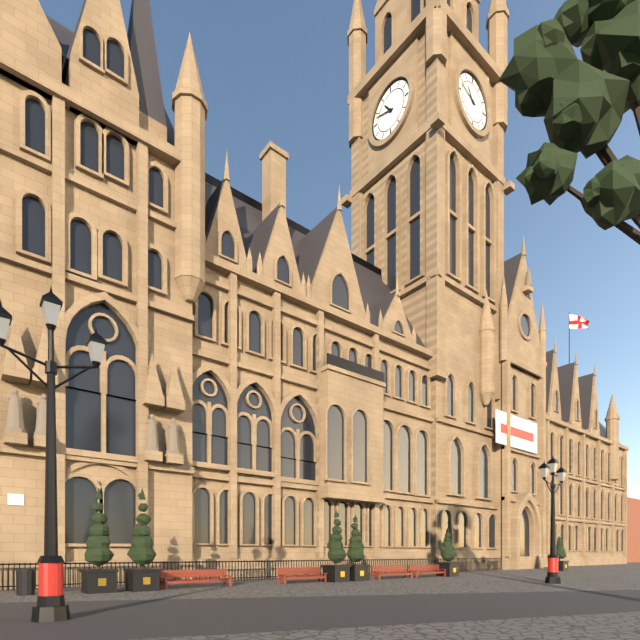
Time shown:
{"hour": 10, "minute": 48}
